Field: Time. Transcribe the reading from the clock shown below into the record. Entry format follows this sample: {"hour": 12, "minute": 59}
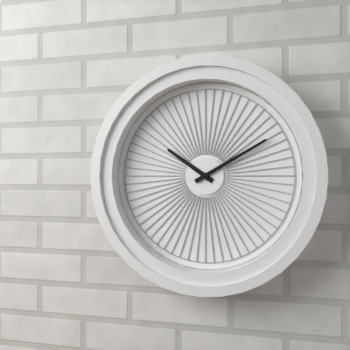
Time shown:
{"hour": 10, "minute": 10}
